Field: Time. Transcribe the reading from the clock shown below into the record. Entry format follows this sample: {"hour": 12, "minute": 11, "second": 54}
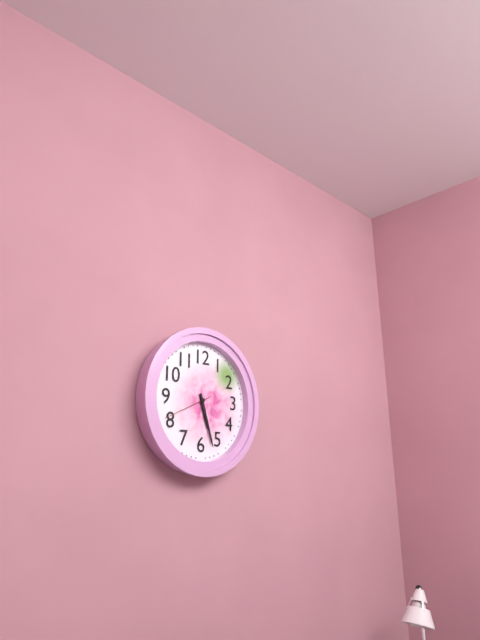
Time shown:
{"hour": 5, "minute": 27, "second": 41}
